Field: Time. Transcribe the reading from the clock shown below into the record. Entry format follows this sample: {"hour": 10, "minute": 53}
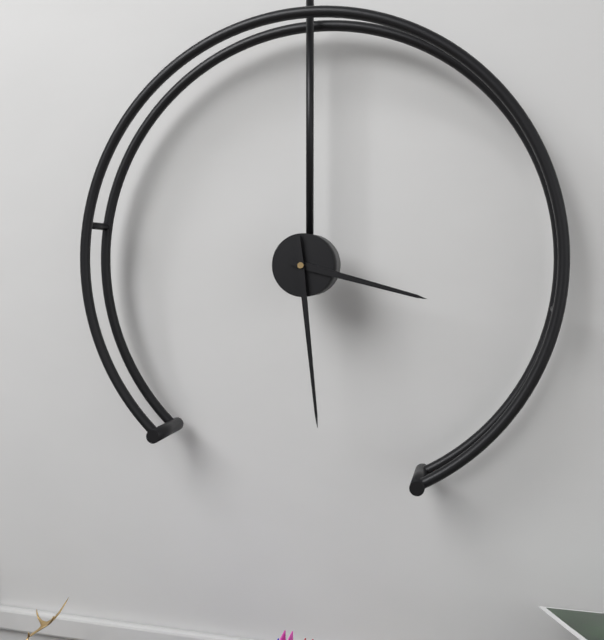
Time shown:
{"hour": 3, "minute": 29}
